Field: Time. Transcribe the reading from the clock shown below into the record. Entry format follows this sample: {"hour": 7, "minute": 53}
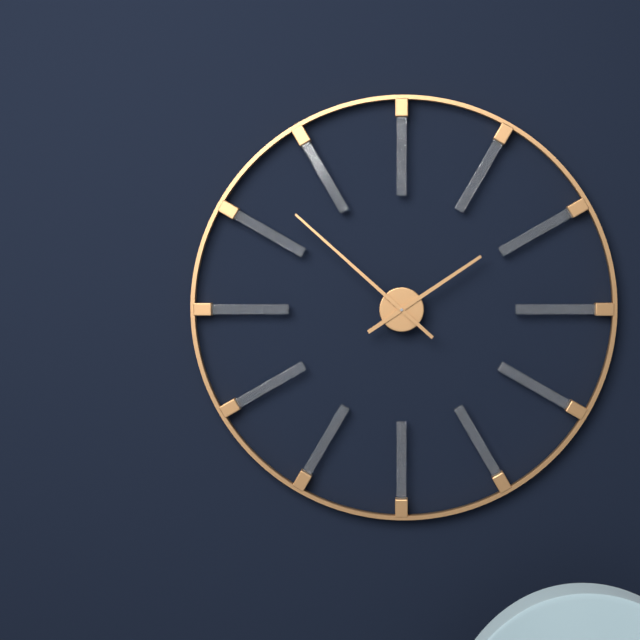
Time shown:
{"hour": 1, "minute": 52}
